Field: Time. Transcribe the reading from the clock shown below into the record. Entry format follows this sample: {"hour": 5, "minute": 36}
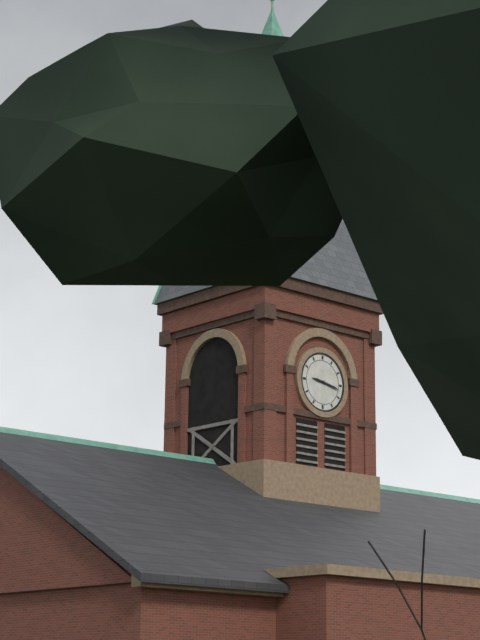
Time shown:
{"hour": 9, "minute": 17}
